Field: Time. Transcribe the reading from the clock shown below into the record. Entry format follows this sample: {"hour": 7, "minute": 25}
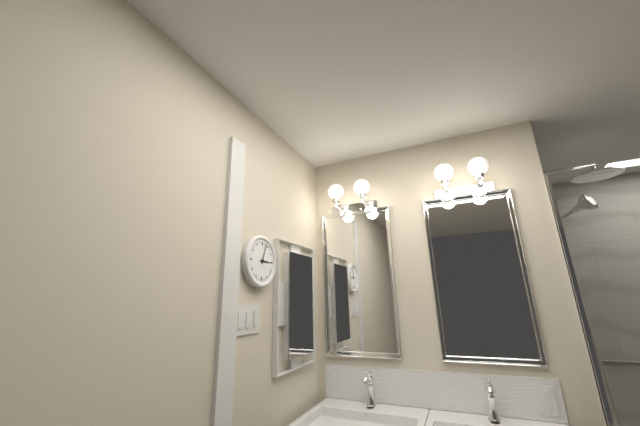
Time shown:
{"hour": 3, "minute": 3}
